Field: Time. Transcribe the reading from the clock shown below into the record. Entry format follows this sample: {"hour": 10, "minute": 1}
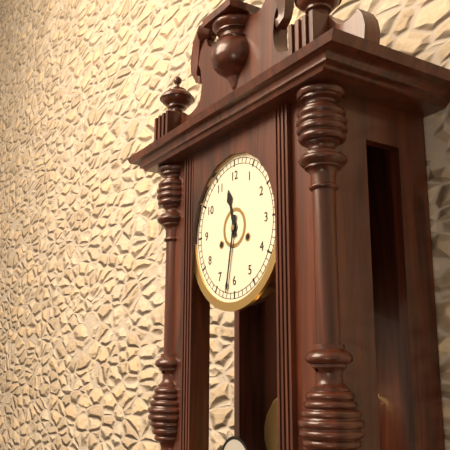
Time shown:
{"hour": 11, "minute": 32}
